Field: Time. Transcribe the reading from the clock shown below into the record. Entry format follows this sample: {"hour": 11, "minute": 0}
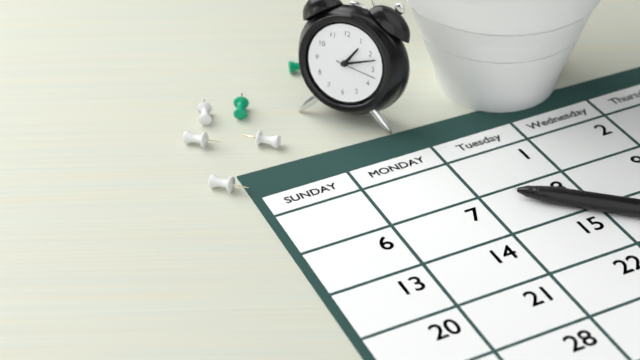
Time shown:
{"hour": 1, "minute": 12}
